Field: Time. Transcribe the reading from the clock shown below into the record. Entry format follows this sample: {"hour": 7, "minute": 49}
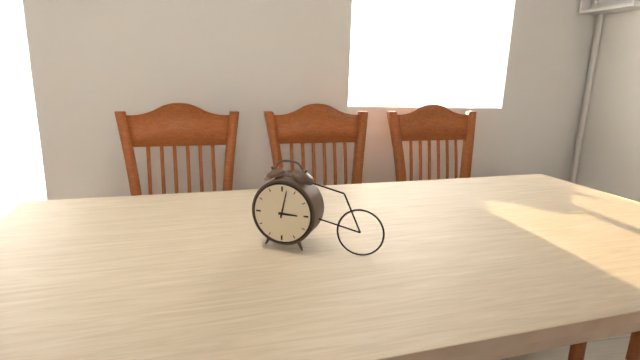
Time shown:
{"hour": 3, "minute": 2}
